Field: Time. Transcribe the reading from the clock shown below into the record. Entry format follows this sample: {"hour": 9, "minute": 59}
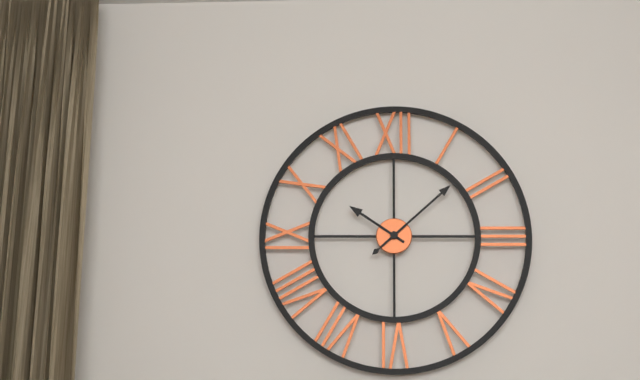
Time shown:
{"hour": 10, "minute": 8}
